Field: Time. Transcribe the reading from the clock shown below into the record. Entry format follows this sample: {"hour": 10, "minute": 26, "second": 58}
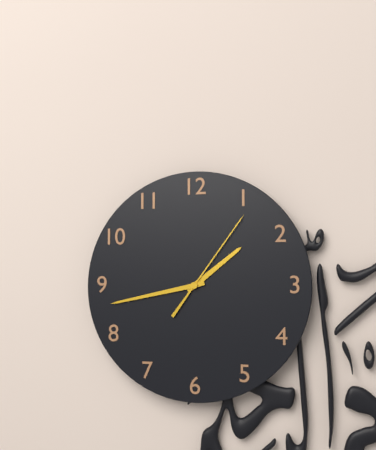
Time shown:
{"hour": 1, "minute": 43, "second": 6}
